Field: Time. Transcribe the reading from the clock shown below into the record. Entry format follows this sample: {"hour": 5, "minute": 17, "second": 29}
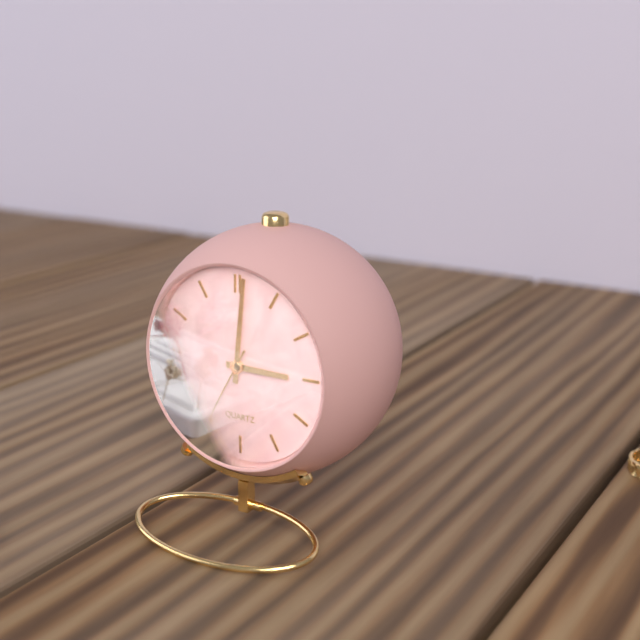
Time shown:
{"hour": 3, "minute": 1, "second": 35}
